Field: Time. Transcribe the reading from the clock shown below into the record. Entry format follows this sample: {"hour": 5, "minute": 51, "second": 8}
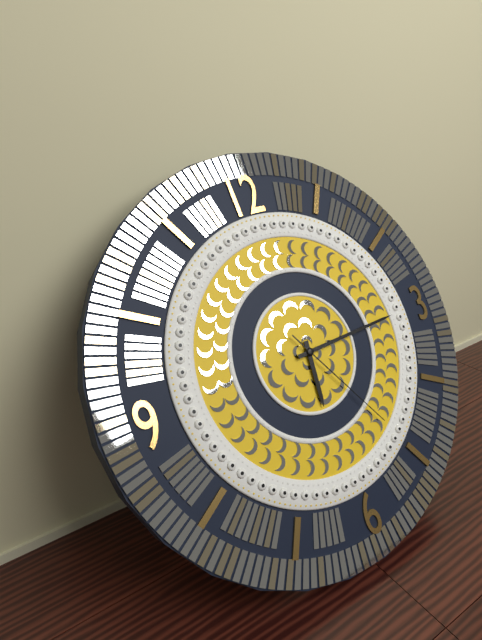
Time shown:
{"hour": 6, "minute": 15, "second": 25}
